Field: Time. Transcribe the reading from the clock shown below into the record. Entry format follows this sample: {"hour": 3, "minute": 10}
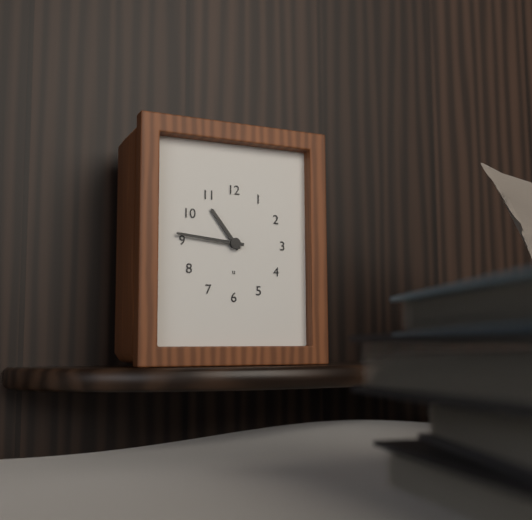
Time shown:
{"hour": 10, "minute": 46}
